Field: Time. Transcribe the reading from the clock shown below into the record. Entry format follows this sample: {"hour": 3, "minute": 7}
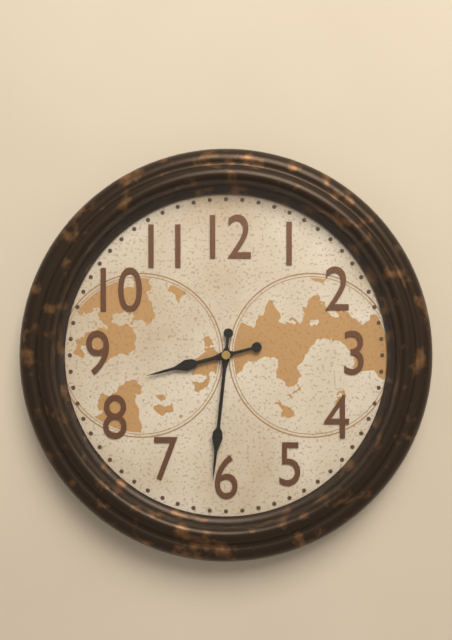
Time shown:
{"hour": 8, "minute": 31}
